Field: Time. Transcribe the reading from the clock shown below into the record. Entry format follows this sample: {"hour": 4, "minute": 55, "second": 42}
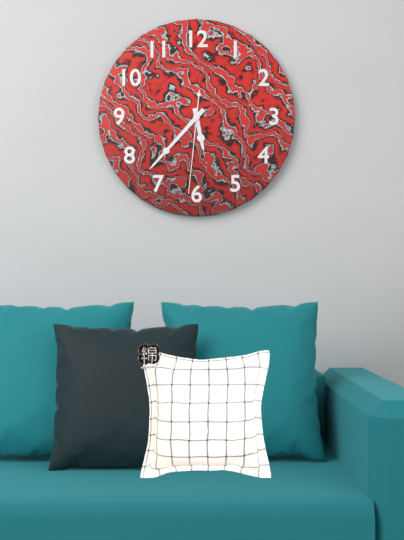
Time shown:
{"hour": 5, "minute": 37, "second": 31}
